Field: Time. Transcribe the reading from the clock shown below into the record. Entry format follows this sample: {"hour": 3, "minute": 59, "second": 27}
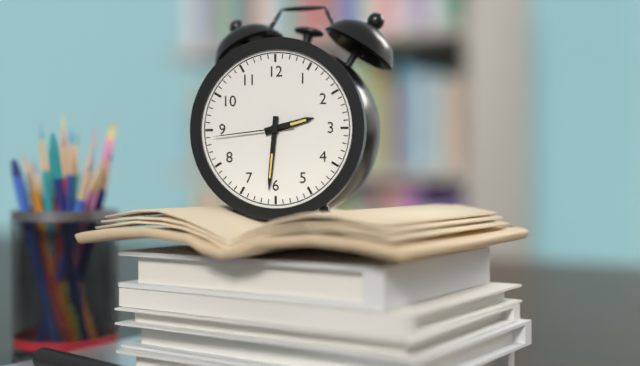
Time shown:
{"hour": 2, "minute": 31, "second": 44}
